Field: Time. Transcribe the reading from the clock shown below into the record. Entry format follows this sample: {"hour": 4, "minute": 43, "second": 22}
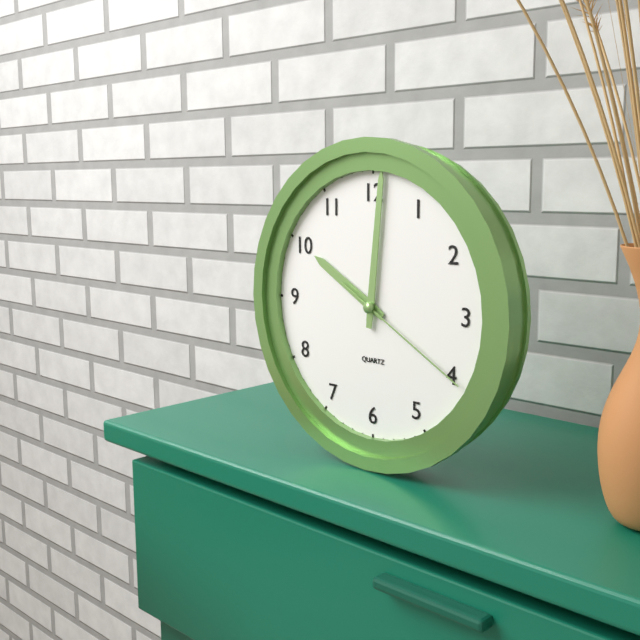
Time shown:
{"hour": 10, "minute": 1, "second": 20}
